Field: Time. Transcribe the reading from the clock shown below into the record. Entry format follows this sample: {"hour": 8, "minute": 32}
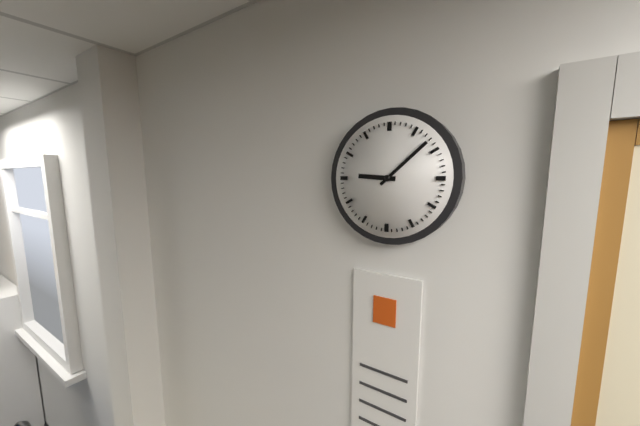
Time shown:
{"hour": 9, "minute": 8}
